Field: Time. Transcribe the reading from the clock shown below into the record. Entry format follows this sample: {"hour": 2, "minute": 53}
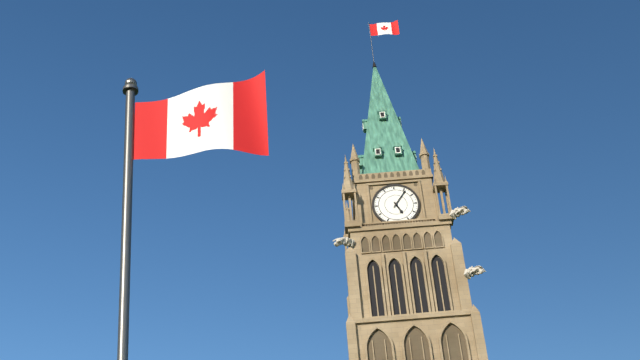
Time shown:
{"hour": 5, "minute": 6}
